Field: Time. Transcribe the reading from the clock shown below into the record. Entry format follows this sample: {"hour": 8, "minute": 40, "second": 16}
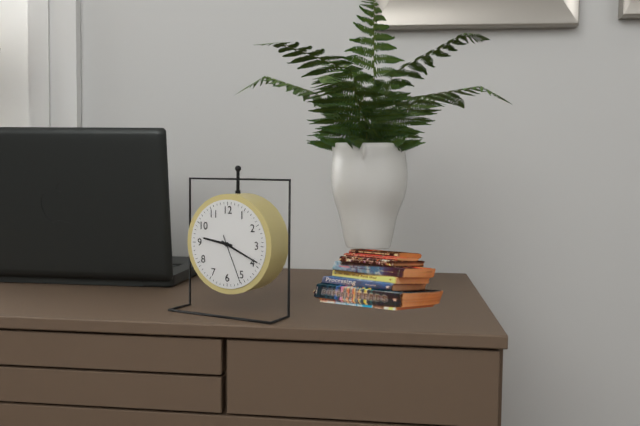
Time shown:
{"hour": 9, "minute": 19, "second": 26}
